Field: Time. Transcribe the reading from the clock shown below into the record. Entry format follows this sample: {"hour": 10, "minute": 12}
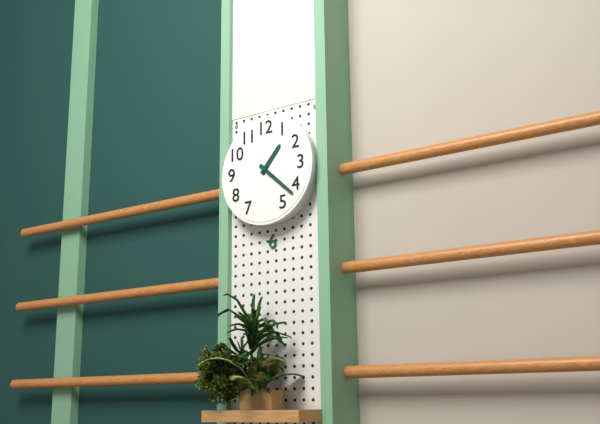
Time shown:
{"hour": 1, "minute": 22}
